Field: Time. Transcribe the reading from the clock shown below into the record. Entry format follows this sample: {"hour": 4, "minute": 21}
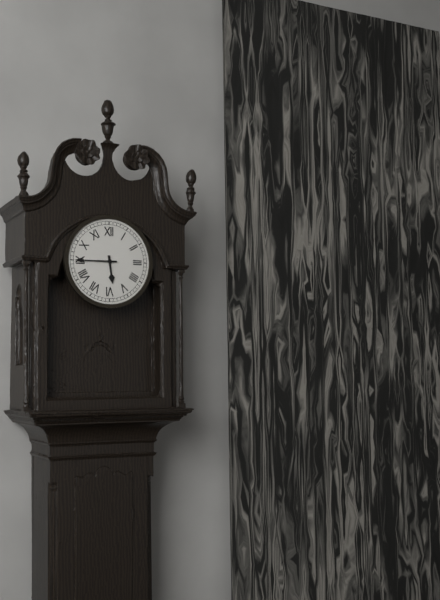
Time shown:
{"hour": 5, "minute": 45}
